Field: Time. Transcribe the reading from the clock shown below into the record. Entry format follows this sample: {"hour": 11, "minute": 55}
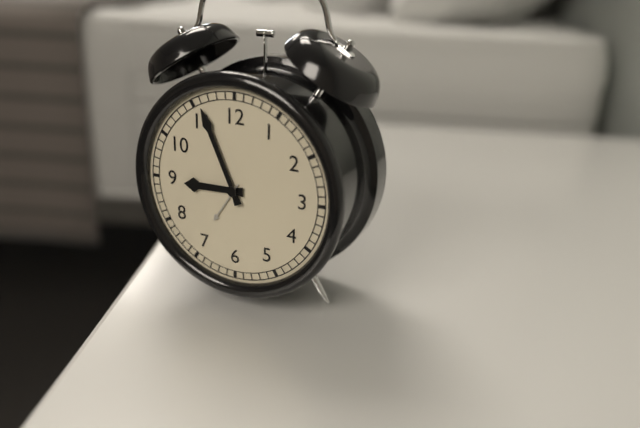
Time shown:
{"hour": 8, "minute": 56}
